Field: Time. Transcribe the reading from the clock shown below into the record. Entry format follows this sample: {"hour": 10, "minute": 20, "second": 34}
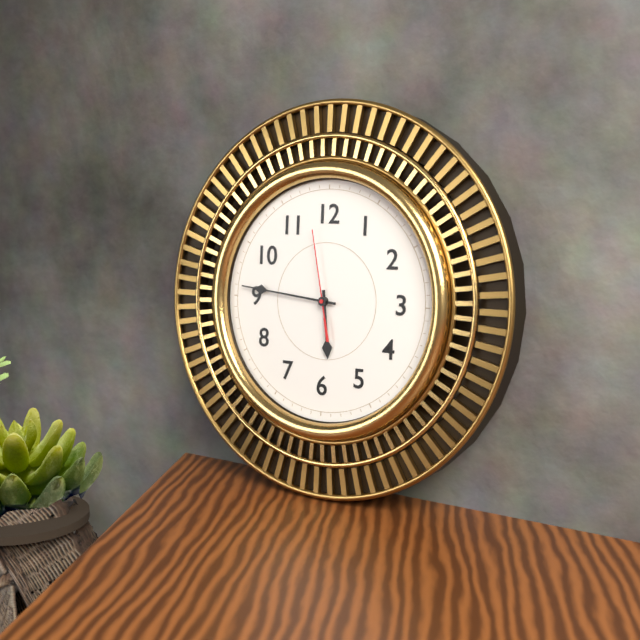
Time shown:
{"hour": 5, "minute": 46, "second": 58}
